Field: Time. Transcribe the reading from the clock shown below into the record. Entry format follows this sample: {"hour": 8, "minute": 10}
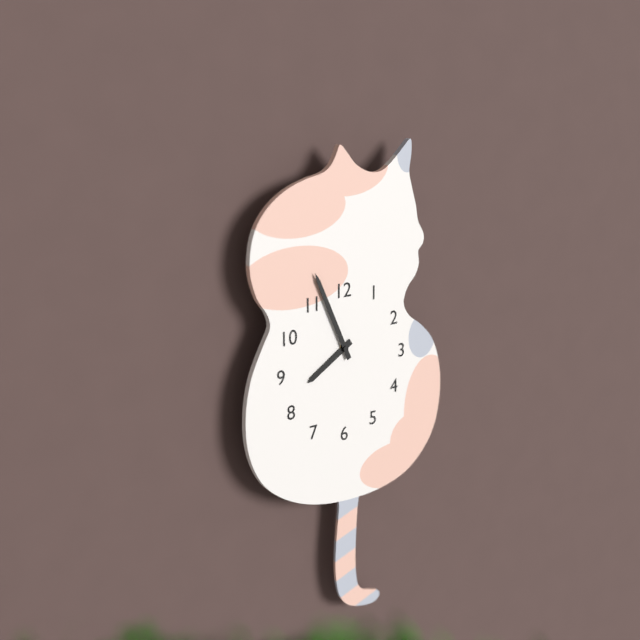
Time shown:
{"hour": 7, "minute": 56}
